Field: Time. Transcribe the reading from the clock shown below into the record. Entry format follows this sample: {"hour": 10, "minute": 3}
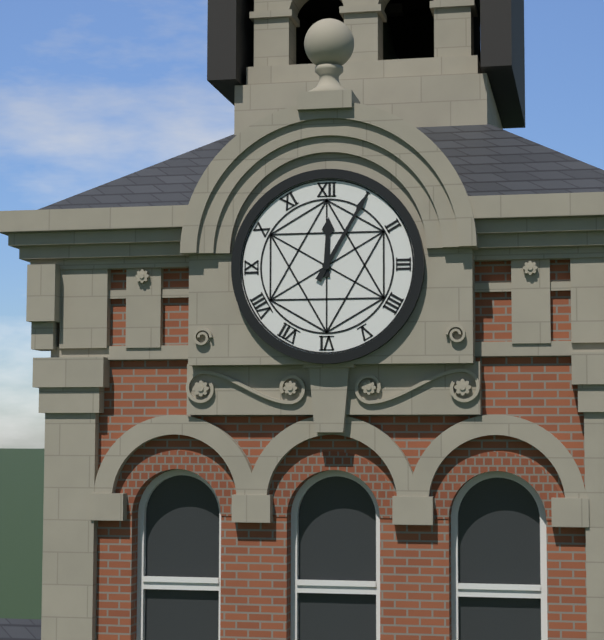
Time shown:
{"hour": 12, "minute": 5}
